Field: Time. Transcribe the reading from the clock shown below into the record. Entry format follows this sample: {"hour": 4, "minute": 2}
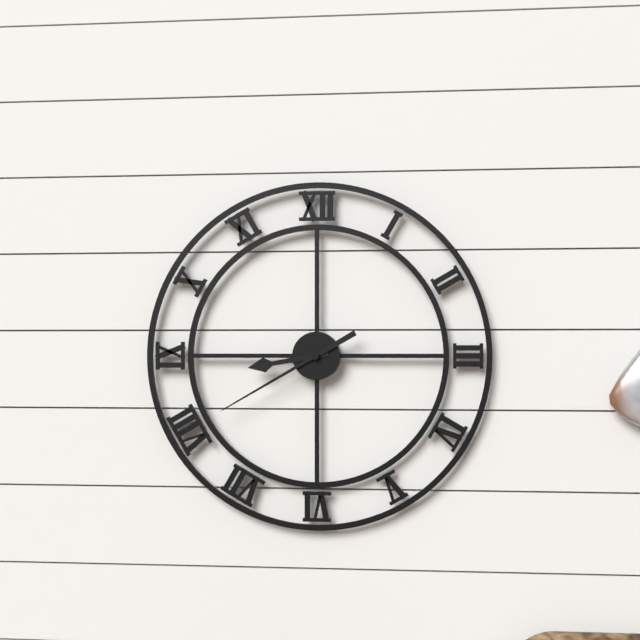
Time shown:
{"hour": 8, "minute": 40}
